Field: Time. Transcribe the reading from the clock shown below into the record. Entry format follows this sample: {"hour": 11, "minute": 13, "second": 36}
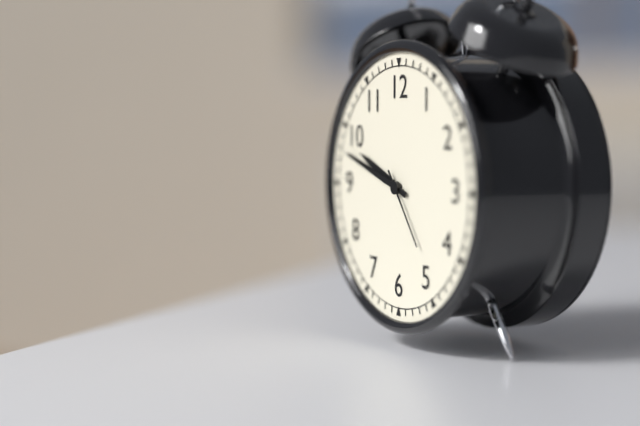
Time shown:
{"hour": 9, "minute": 48, "second": 24}
